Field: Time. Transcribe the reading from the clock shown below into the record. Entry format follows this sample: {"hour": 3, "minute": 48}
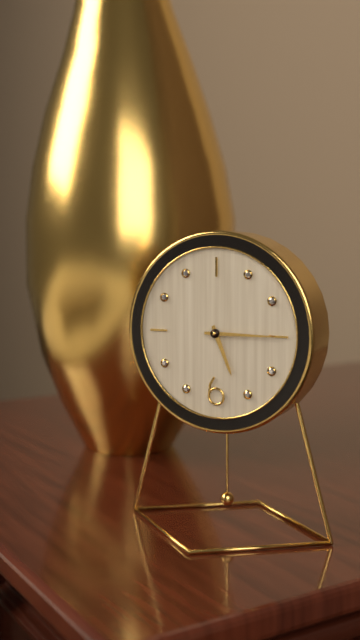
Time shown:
{"hour": 5, "minute": 15}
